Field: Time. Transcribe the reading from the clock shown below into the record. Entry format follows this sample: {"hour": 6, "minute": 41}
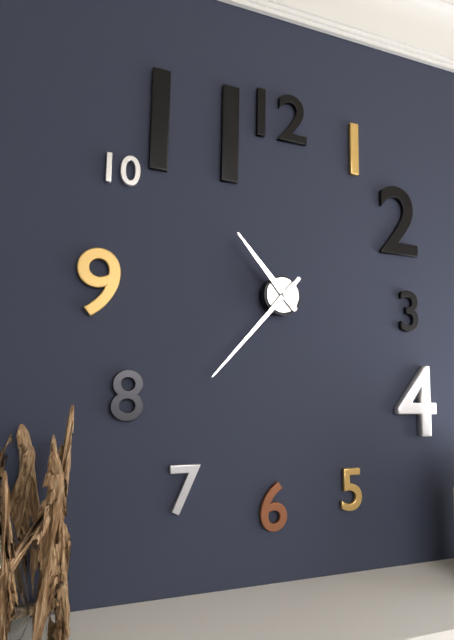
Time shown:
{"hour": 10, "minute": 37}
